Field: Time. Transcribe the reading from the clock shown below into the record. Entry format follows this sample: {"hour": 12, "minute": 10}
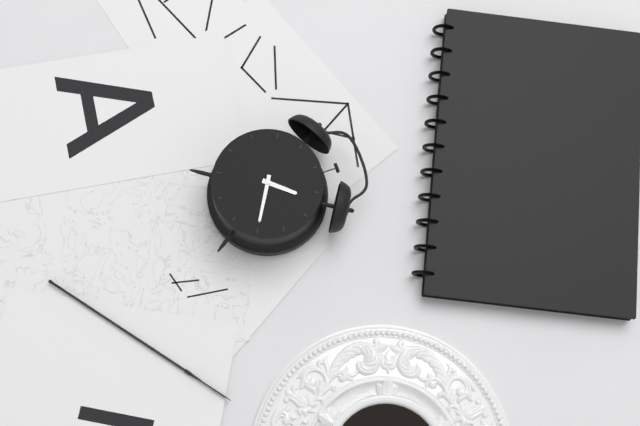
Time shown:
{"hour": 1, "minute": 20}
